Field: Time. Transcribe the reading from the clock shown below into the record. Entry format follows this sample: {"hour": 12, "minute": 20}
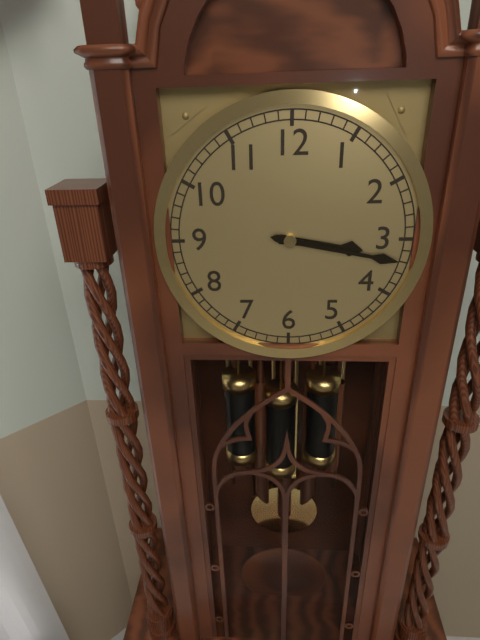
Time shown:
{"hour": 3, "minute": 17}
